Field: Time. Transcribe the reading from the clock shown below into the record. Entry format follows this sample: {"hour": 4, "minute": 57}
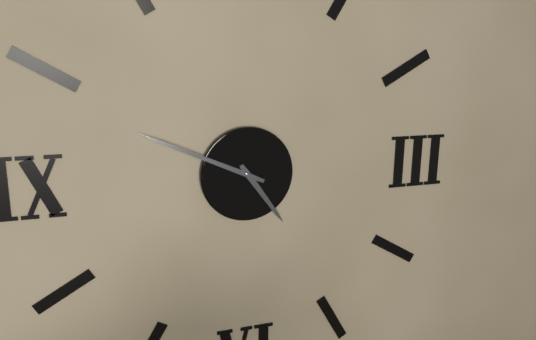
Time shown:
{"hour": 4, "minute": 49}
